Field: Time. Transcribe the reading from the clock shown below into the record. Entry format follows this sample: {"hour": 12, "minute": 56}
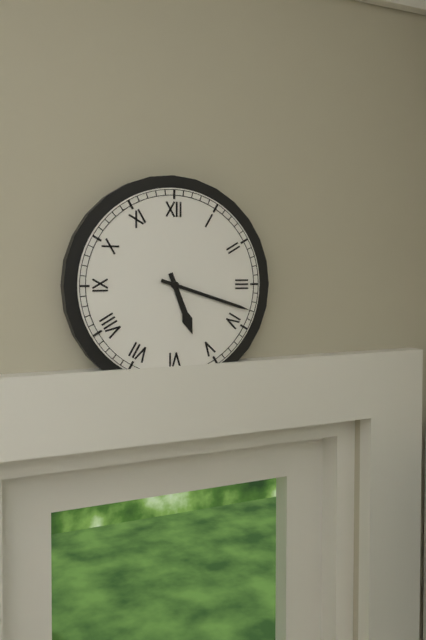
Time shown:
{"hour": 5, "minute": 18}
